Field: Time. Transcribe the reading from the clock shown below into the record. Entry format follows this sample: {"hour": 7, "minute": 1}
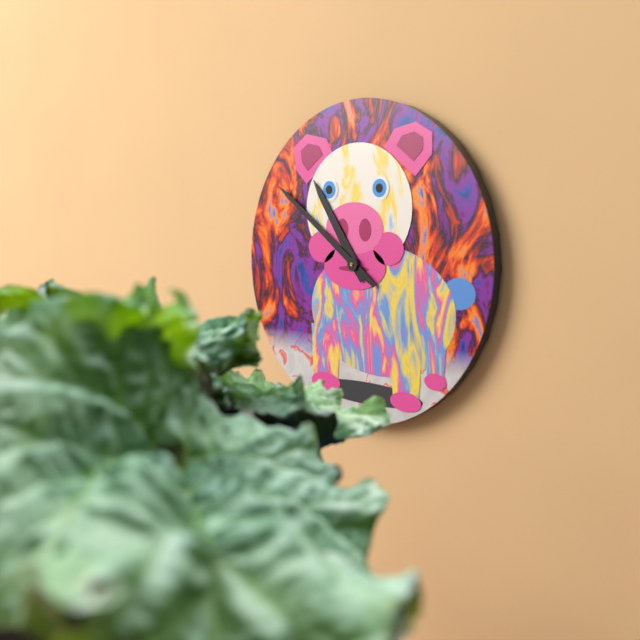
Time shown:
{"hour": 10, "minute": 51}
